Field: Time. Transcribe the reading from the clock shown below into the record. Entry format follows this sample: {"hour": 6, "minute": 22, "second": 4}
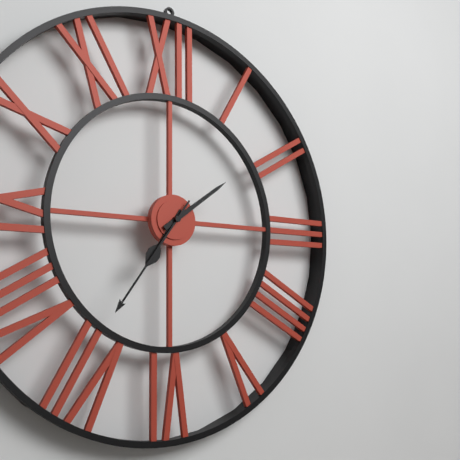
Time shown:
{"hour": 7, "minute": 9, "second": 36}
